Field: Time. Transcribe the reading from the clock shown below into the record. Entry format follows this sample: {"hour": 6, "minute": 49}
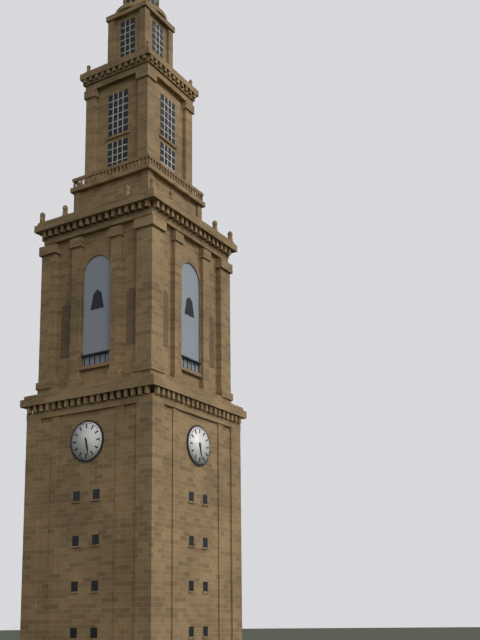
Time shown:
{"hour": 5, "minute": 28}
